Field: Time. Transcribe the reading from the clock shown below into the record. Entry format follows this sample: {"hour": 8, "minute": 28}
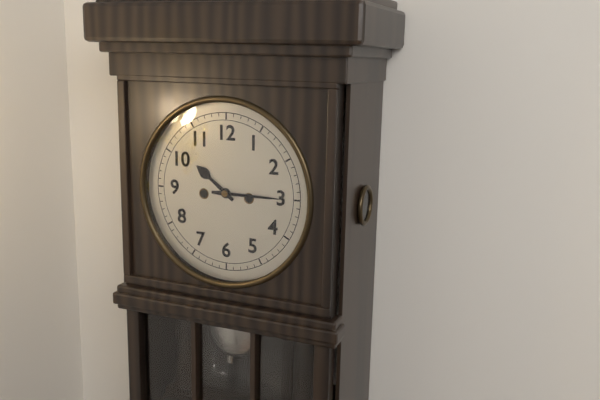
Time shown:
{"hour": 10, "minute": 15}
